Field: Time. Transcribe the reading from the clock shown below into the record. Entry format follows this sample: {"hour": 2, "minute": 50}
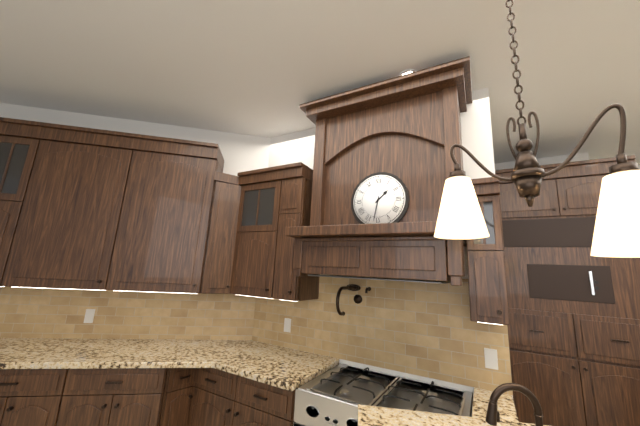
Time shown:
{"hour": 1, "minute": 32}
